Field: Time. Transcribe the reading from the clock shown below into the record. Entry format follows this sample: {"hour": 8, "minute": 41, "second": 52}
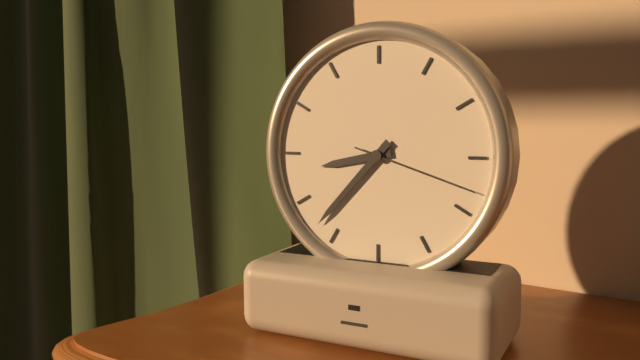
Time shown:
{"hour": 8, "minute": 37, "second": 18}
